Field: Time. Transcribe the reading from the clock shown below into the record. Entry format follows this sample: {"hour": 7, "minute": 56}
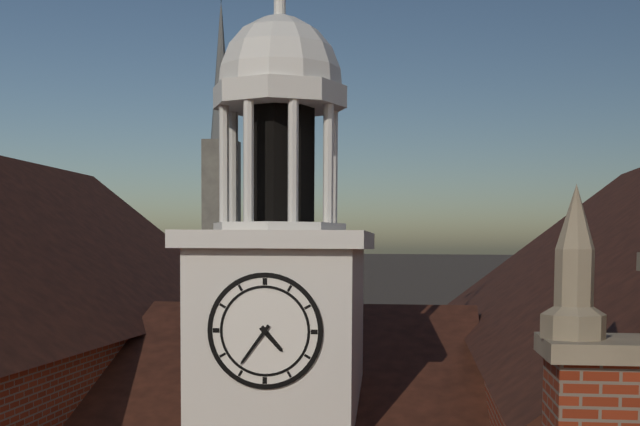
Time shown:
{"hour": 4, "minute": 36}
